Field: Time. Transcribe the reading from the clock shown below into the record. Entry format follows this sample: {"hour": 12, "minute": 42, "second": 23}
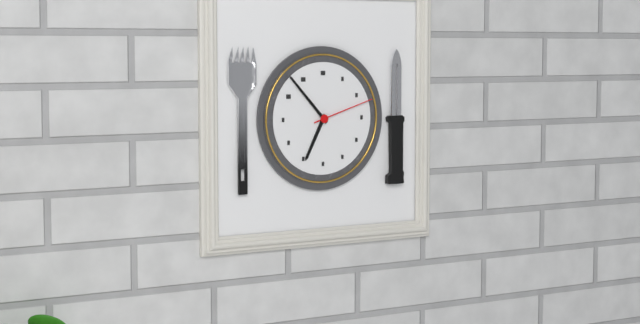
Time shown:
{"hour": 6, "minute": 53, "second": 12}
